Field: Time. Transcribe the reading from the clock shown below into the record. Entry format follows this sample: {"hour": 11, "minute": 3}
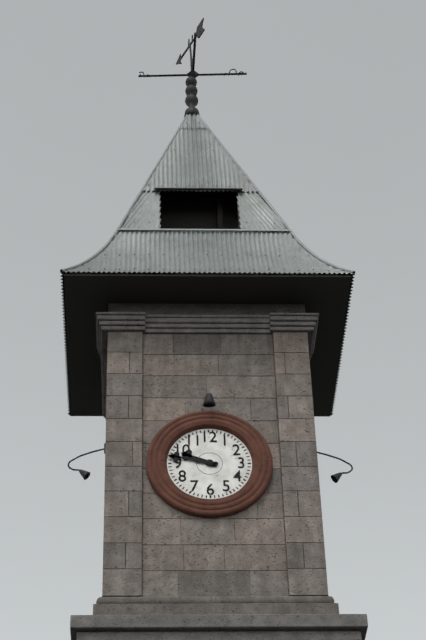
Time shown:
{"hour": 9, "minute": 47}
